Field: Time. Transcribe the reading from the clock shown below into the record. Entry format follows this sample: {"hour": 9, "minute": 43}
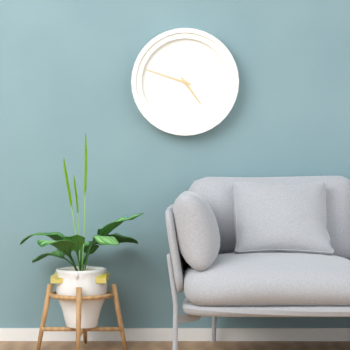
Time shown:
{"hour": 4, "minute": 48}
